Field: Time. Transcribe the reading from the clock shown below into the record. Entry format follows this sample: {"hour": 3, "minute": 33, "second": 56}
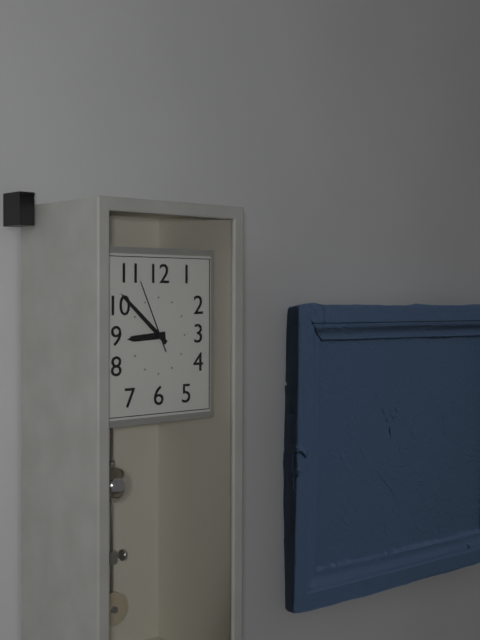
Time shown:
{"hour": 8, "minute": 52, "second": 56}
